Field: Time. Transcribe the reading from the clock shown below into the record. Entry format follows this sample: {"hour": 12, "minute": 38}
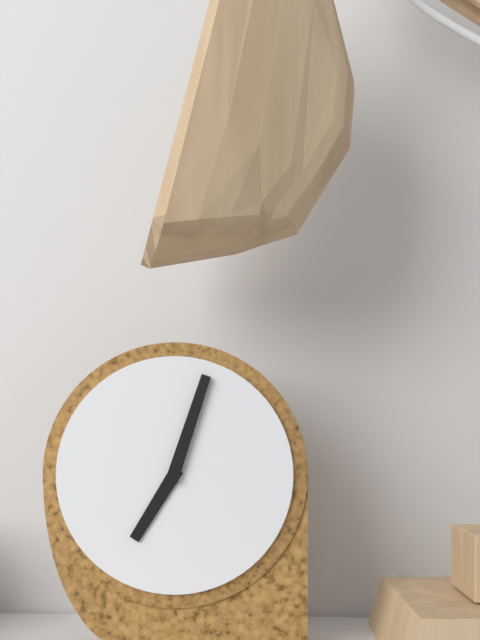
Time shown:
{"hour": 7, "minute": 3}
